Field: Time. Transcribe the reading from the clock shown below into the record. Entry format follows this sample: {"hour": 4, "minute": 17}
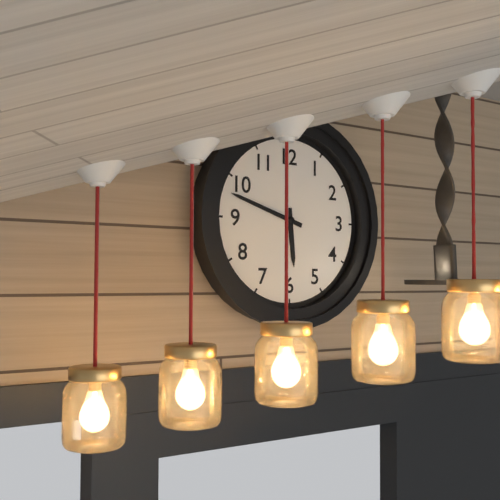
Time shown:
{"hour": 5, "minute": 48}
